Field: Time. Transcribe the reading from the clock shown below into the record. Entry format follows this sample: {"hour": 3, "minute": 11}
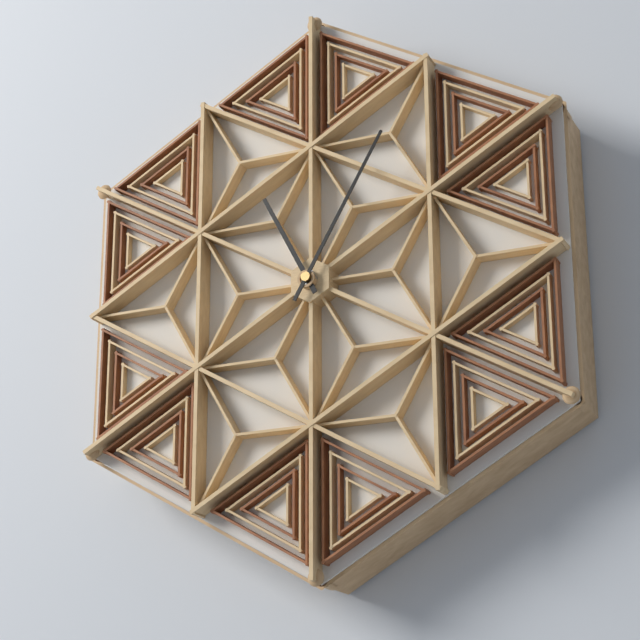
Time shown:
{"hour": 11, "minute": 5}
